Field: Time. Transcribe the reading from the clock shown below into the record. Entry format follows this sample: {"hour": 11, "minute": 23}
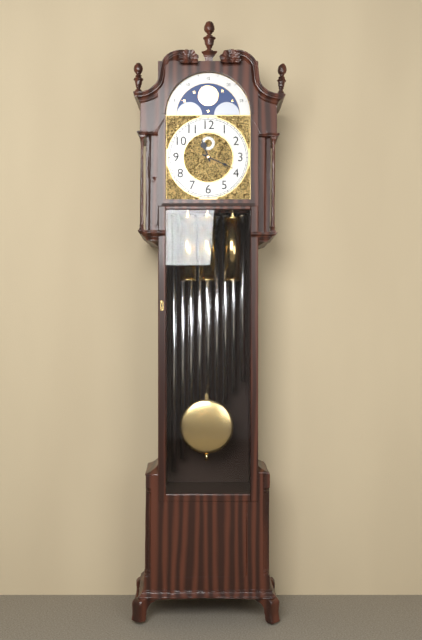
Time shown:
{"hour": 11, "minute": 19}
